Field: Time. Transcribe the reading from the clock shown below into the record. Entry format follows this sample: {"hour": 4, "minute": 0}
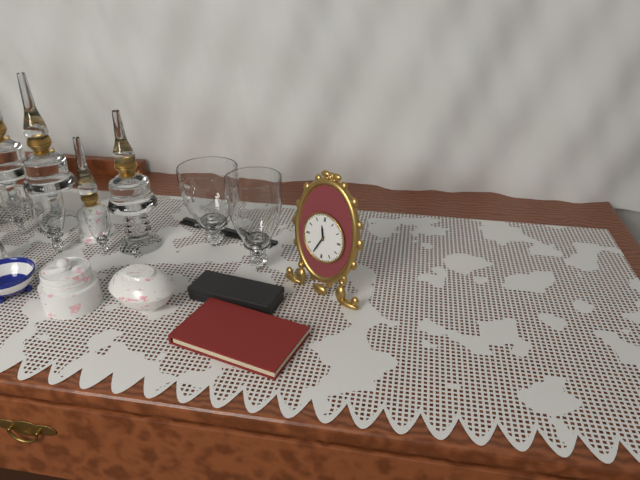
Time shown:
{"hour": 11, "minute": 35}
